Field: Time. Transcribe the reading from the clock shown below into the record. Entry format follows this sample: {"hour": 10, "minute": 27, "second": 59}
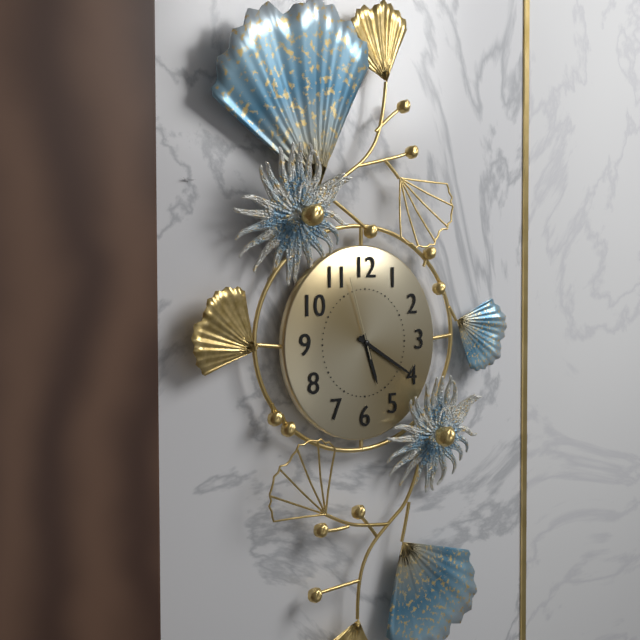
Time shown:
{"hour": 5, "minute": 20, "second": 57}
